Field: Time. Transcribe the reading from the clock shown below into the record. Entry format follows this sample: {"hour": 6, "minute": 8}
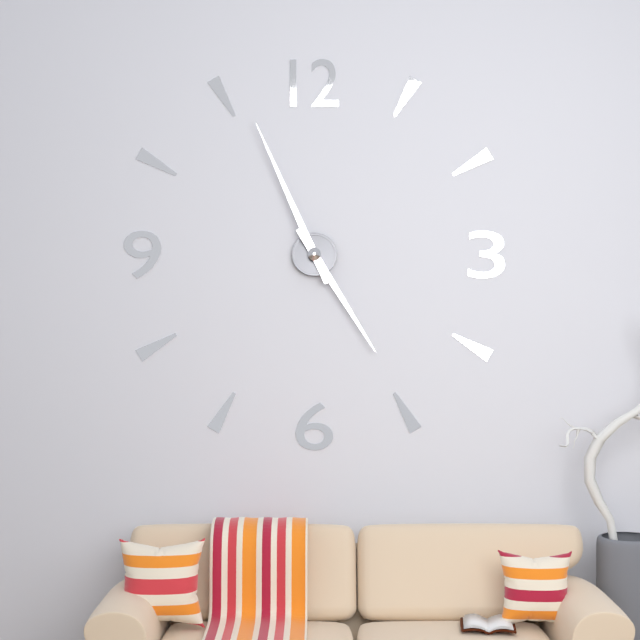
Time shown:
{"hour": 4, "minute": 56}
